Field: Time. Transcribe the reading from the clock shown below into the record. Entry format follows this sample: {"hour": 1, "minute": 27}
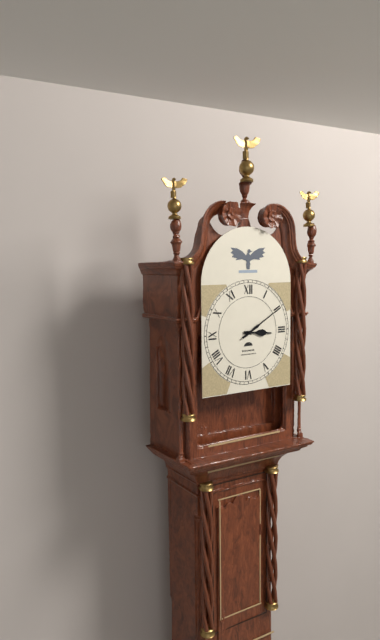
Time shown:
{"hour": 3, "minute": 10}
